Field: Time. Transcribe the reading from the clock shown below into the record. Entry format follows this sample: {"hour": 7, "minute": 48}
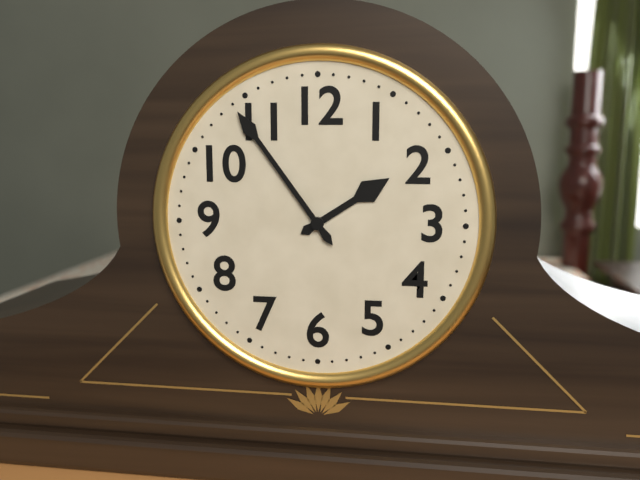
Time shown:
{"hour": 1, "minute": 54}
